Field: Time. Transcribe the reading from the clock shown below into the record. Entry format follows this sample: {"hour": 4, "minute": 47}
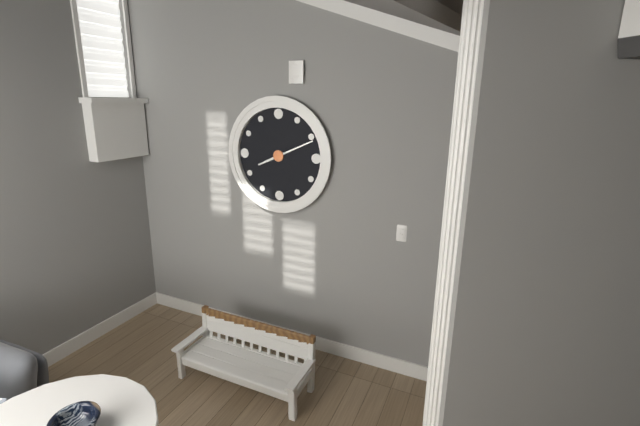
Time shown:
{"hour": 8, "minute": 11}
